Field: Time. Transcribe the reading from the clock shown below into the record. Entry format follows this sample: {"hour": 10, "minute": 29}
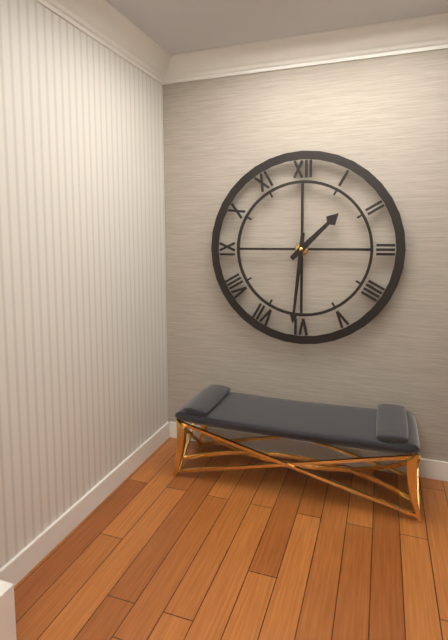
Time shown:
{"hour": 1, "minute": 31}
